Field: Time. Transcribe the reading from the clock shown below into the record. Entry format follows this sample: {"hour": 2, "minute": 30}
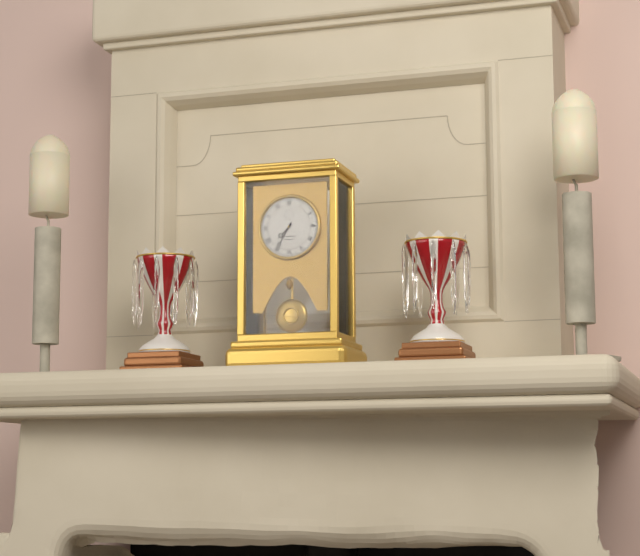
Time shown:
{"hour": 7, "minute": 35}
